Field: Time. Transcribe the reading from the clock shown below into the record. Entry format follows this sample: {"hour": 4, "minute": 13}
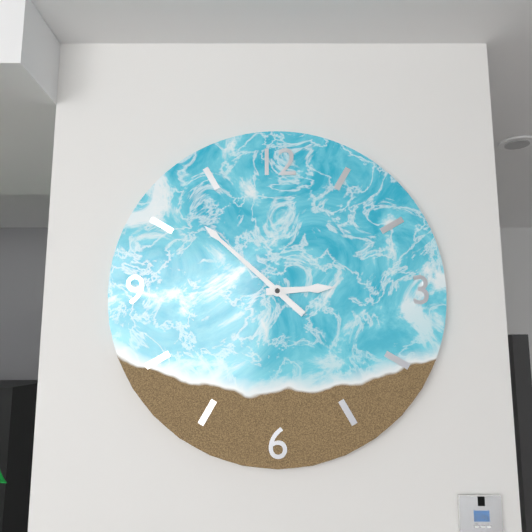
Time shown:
{"hour": 2, "minute": 52}
